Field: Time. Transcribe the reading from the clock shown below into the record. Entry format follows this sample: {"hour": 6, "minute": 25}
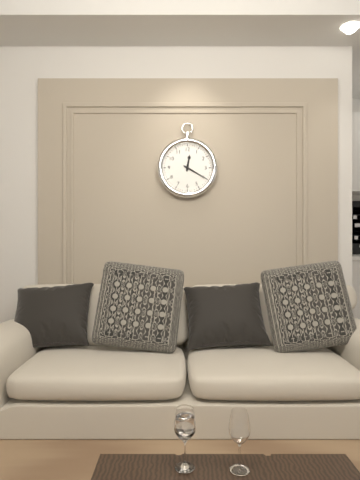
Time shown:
{"hour": 12, "minute": 20}
